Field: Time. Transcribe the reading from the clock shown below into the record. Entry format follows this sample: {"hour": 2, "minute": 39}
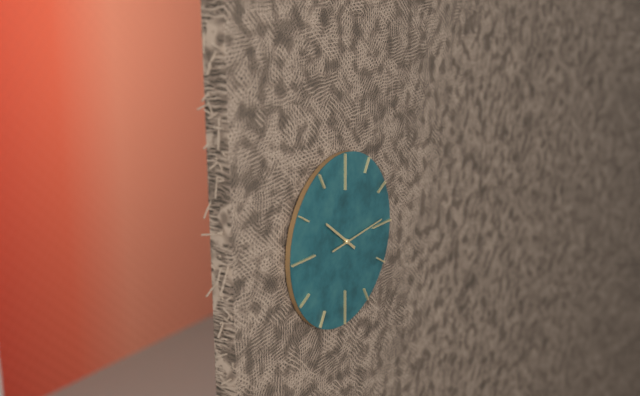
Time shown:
{"hour": 10, "minute": 14}
